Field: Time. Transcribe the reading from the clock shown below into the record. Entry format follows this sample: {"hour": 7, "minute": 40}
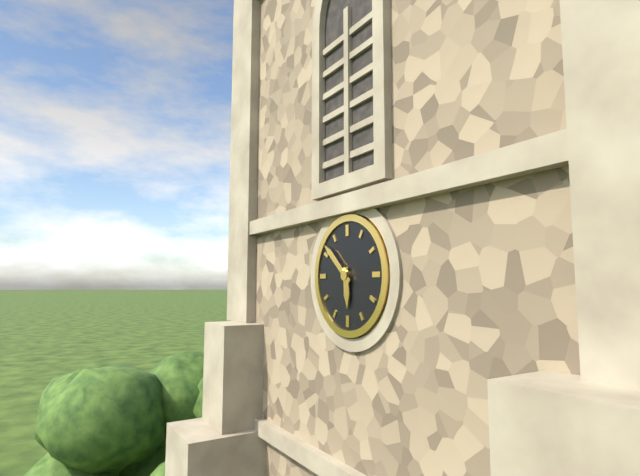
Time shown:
{"hour": 5, "minute": 52}
